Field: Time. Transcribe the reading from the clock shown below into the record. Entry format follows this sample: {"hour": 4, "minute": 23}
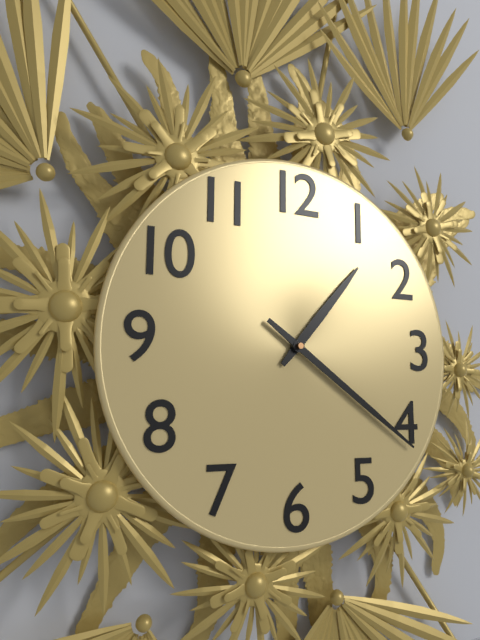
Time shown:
{"hour": 1, "minute": 21}
